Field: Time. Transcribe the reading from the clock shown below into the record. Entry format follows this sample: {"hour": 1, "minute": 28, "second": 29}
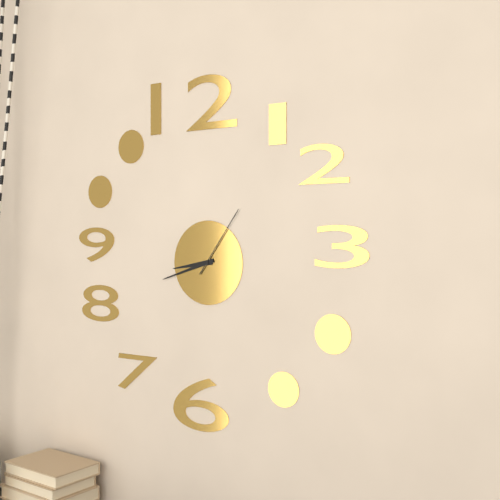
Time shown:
{"hour": 8, "minute": 42, "second": 6}
